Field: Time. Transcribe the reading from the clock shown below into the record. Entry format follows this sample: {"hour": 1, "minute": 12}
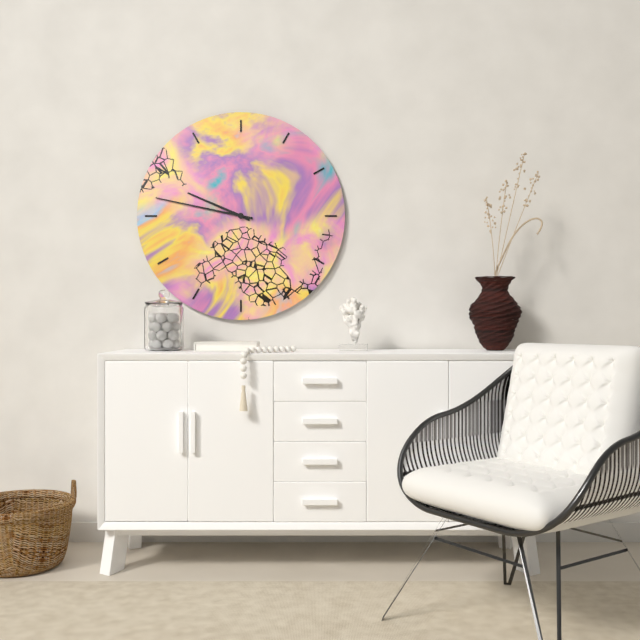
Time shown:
{"hour": 9, "minute": 47}
